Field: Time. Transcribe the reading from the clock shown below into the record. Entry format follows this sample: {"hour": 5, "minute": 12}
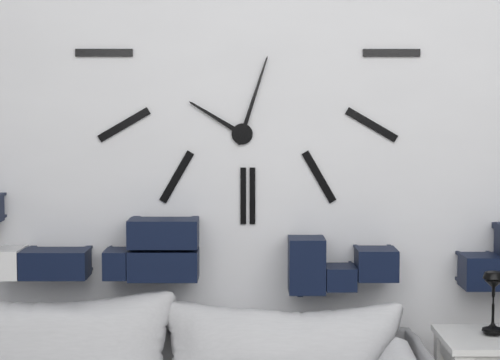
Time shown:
{"hour": 10, "minute": 3}
